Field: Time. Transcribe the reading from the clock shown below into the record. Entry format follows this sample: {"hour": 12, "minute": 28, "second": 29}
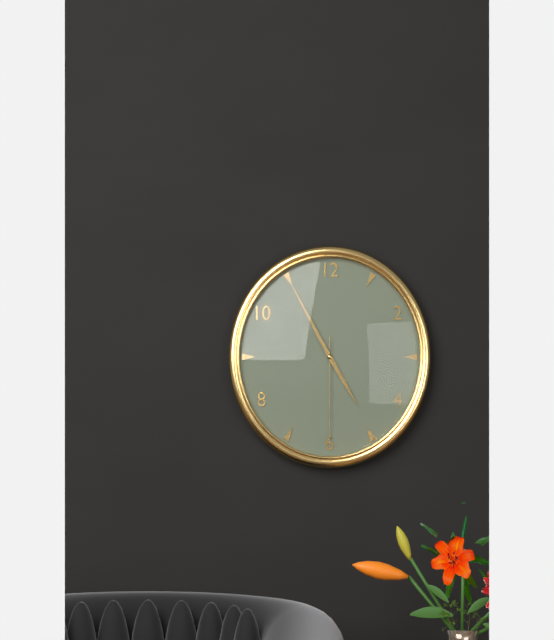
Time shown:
{"hour": 4, "minute": 55, "second": 30}
